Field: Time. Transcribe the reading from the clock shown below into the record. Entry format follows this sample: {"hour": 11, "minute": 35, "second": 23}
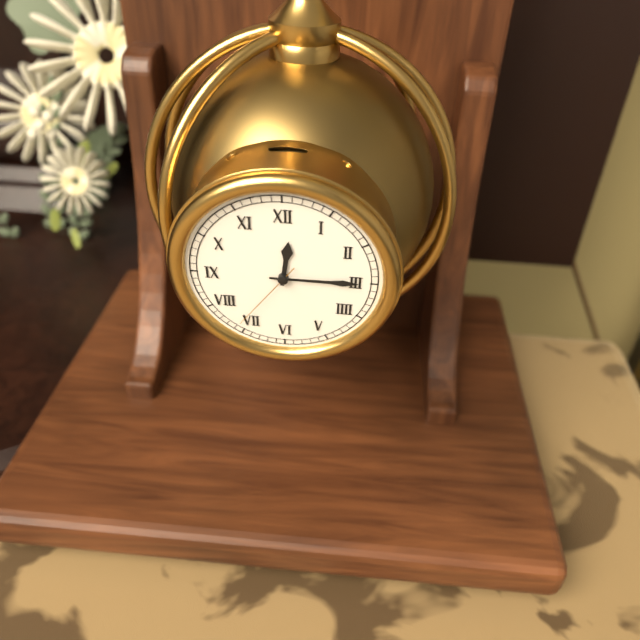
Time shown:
{"hour": 12, "minute": 15, "second": 36}
